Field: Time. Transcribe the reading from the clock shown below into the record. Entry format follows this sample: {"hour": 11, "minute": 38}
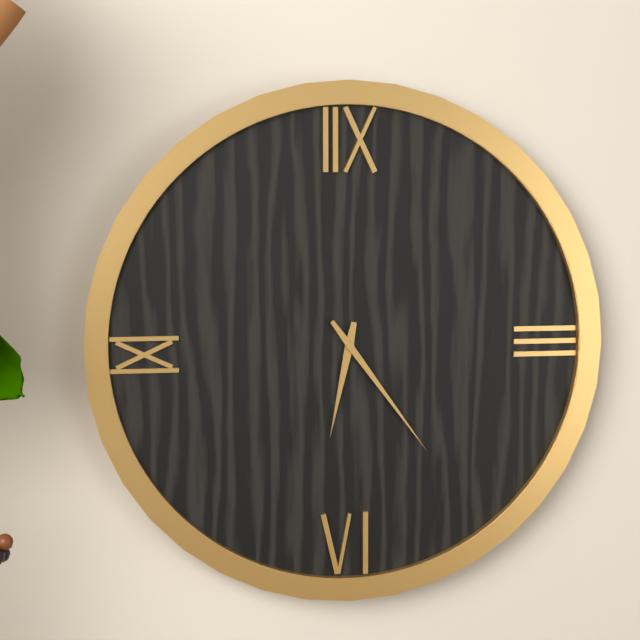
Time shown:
{"hour": 6, "minute": 24}
